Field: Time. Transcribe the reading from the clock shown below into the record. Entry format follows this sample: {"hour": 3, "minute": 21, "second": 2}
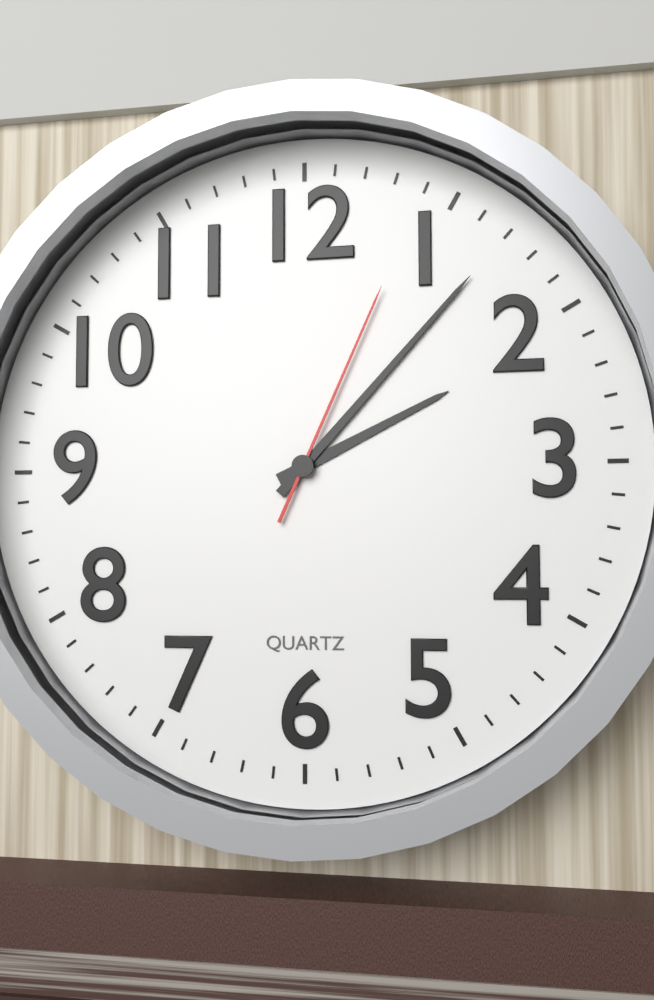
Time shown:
{"hour": 2, "minute": 7, "second": 4}
